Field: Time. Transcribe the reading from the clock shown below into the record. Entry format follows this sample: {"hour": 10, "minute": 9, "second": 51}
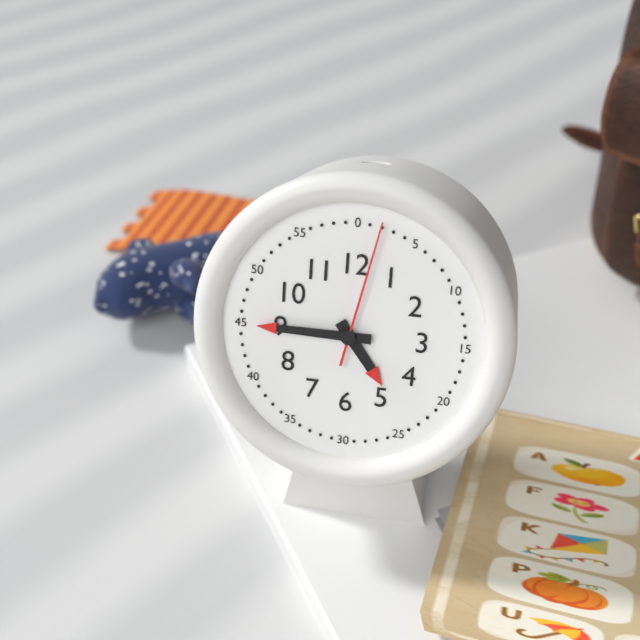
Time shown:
{"hour": 4, "minute": 45, "second": 2}
